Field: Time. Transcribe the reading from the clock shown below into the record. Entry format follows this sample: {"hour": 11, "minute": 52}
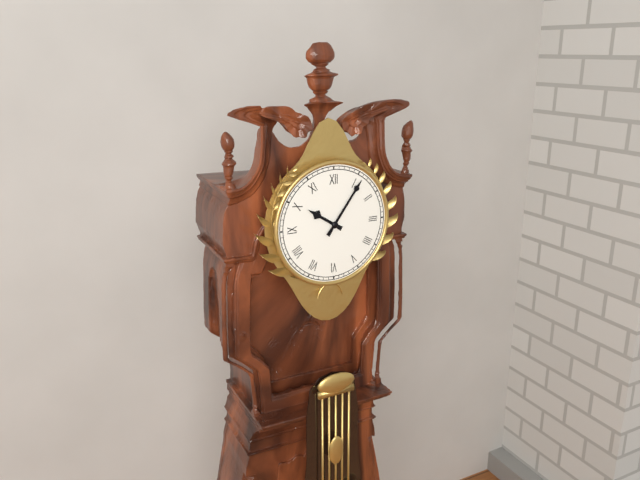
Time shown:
{"hour": 10, "minute": 6}
